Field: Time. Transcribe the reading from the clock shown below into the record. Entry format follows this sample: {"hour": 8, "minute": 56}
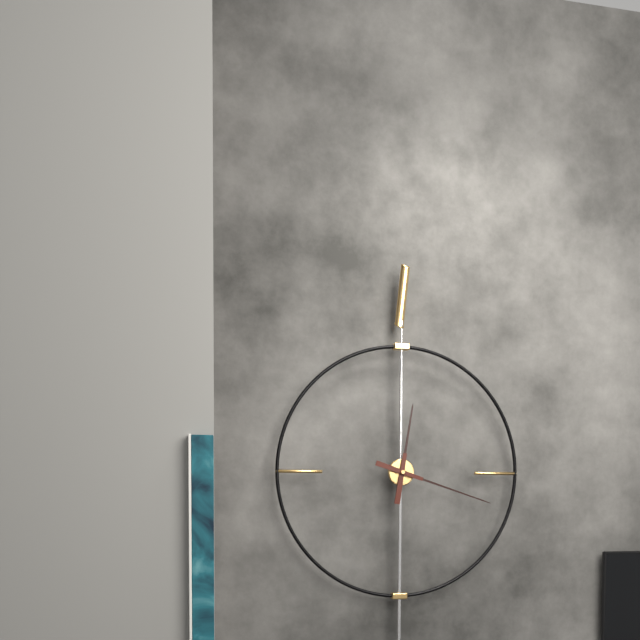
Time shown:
{"hour": 12, "minute": 18}
